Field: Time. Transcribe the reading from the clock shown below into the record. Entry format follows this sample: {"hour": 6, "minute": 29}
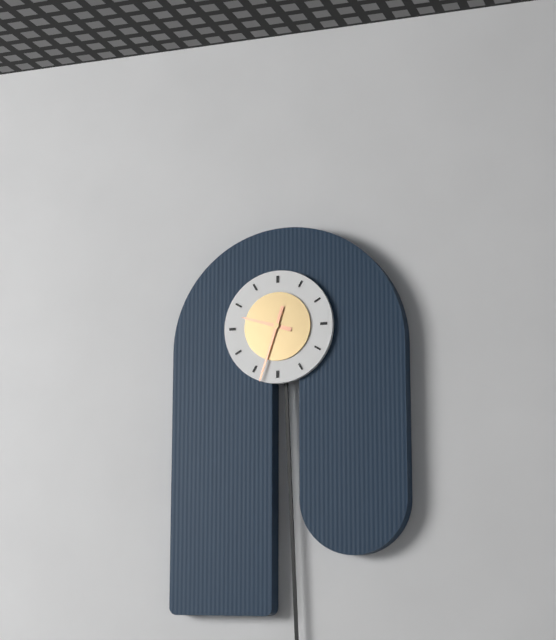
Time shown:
{"hour": 9, "minute": 33}
